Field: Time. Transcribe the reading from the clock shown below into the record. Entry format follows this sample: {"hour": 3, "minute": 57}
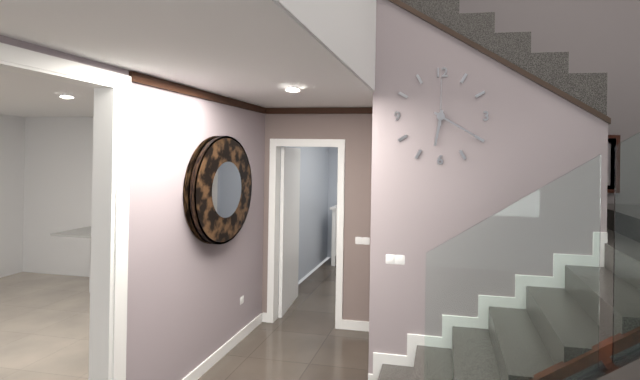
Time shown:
{"hour": 6, "minute": 20}
